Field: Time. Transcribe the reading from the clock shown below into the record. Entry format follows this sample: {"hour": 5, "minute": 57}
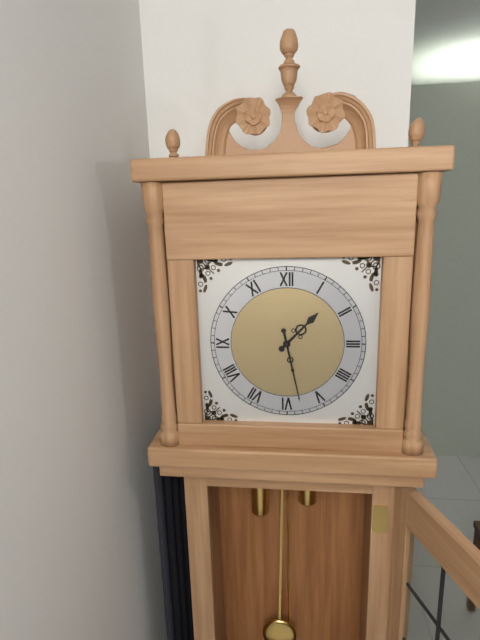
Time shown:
{"hour": 1, "minute": 28}
